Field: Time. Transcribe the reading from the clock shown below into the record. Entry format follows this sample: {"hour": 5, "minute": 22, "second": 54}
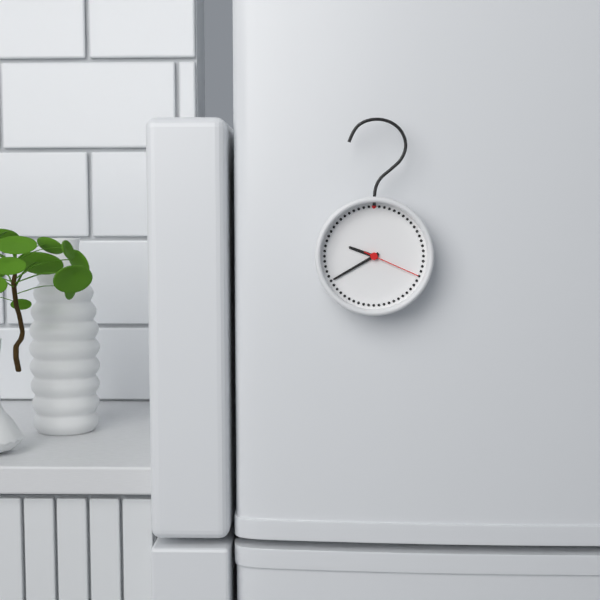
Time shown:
{"hour": 9, "minute": 40, "second": 19}
